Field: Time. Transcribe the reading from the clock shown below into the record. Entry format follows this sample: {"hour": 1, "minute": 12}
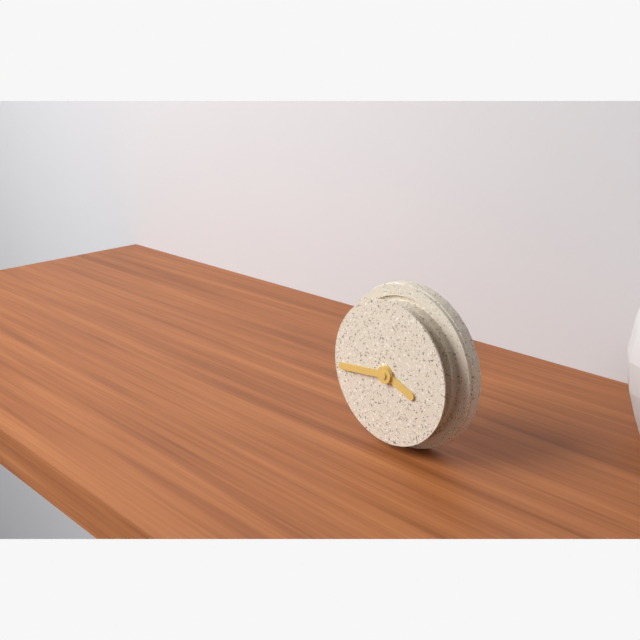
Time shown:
{"hour": 3, "minute": 44}
